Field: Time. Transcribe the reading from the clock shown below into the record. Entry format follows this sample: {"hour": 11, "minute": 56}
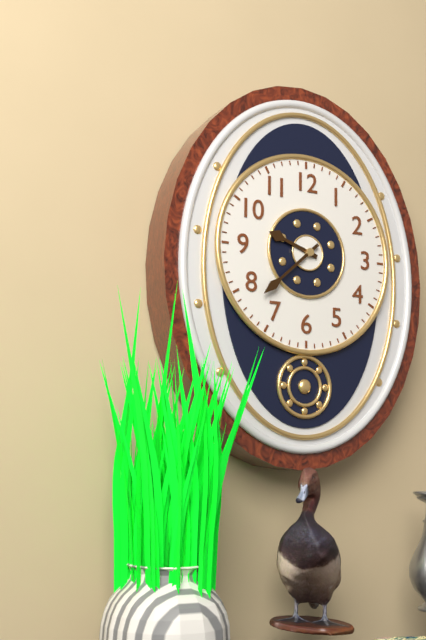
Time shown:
{"hour": 9, "minute": 38}
